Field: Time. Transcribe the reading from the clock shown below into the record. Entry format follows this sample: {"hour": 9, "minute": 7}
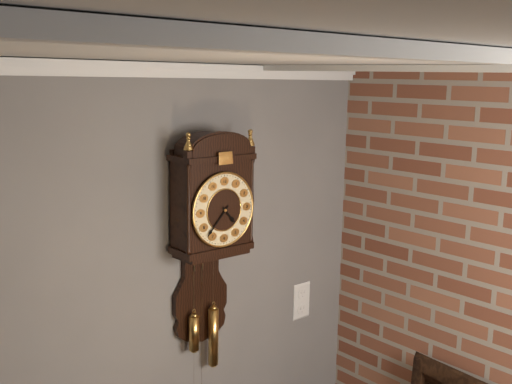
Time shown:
{"hour": 4, "minute": 37}
